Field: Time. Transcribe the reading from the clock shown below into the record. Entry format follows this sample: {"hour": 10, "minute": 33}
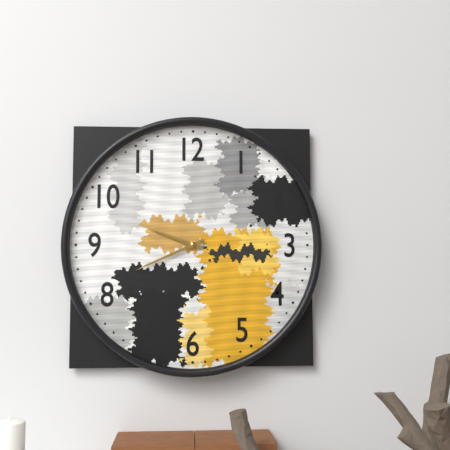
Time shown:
{"hour": 9, "minute": 41}
